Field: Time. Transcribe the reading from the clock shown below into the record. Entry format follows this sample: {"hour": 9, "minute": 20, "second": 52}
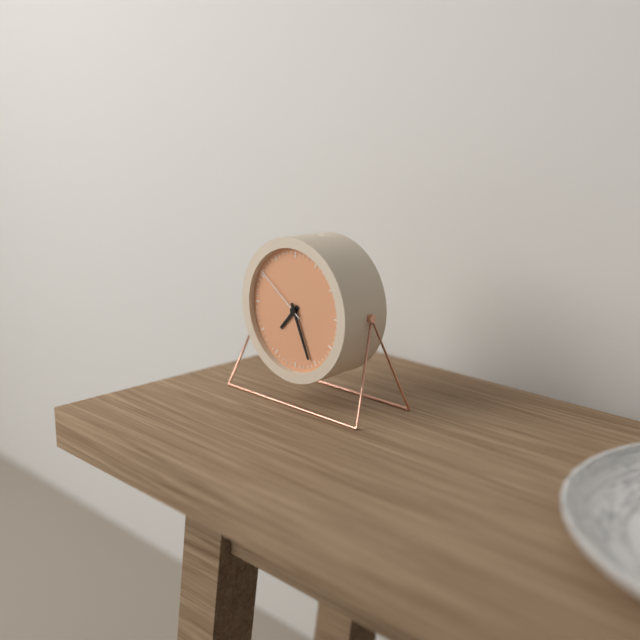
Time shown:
{"hour": 7, "minute": 26, "second": 51}
